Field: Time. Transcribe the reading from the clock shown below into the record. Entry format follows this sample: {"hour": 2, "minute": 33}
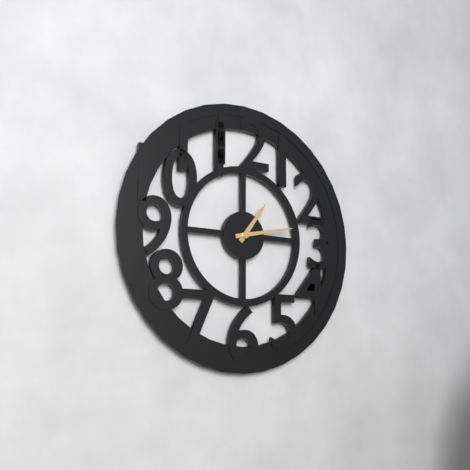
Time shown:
{"hour": 1, "minute": 13}
